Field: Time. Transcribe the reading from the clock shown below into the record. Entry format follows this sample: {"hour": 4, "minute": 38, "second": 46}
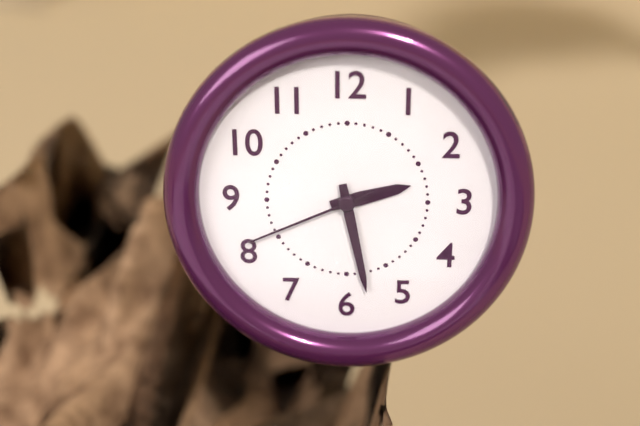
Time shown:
{"hour": 2, "minute": 28, "second": 41}
